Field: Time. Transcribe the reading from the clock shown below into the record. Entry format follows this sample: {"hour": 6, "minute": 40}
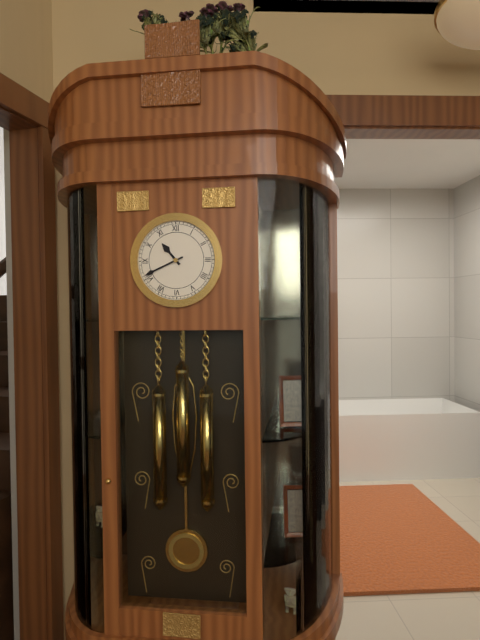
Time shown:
{"hour": 10, "minute": 41}
